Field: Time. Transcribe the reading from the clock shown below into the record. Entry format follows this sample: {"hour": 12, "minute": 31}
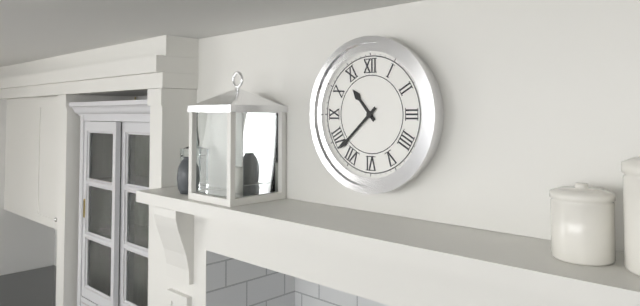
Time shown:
{"hour": 10, "minute": 38}
